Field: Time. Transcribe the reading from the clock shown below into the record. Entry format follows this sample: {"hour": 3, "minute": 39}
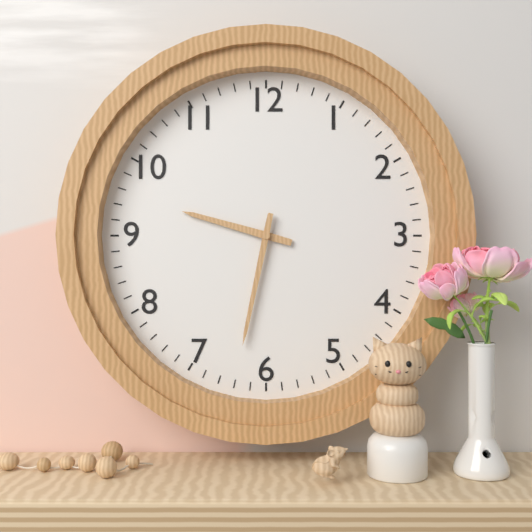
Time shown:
{"hour": 9, "minute": 32}
